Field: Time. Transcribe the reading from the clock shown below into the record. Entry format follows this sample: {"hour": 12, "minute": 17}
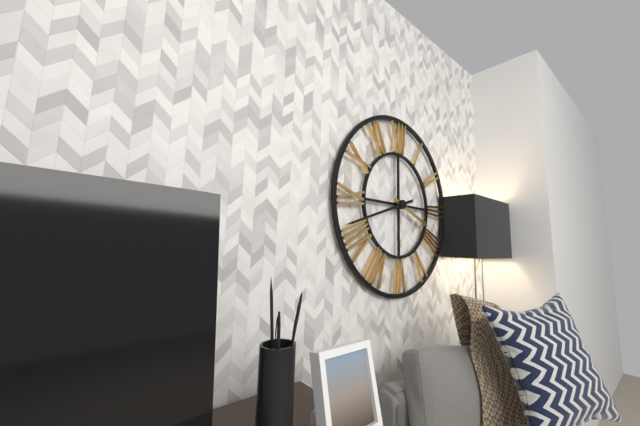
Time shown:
{"hour": 3, "minute": 42}
